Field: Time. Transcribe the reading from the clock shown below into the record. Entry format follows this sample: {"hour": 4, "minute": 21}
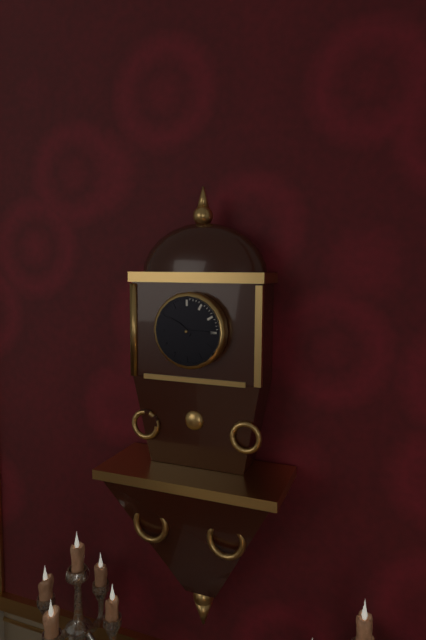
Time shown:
{"hour": 10, "minute": 15}
